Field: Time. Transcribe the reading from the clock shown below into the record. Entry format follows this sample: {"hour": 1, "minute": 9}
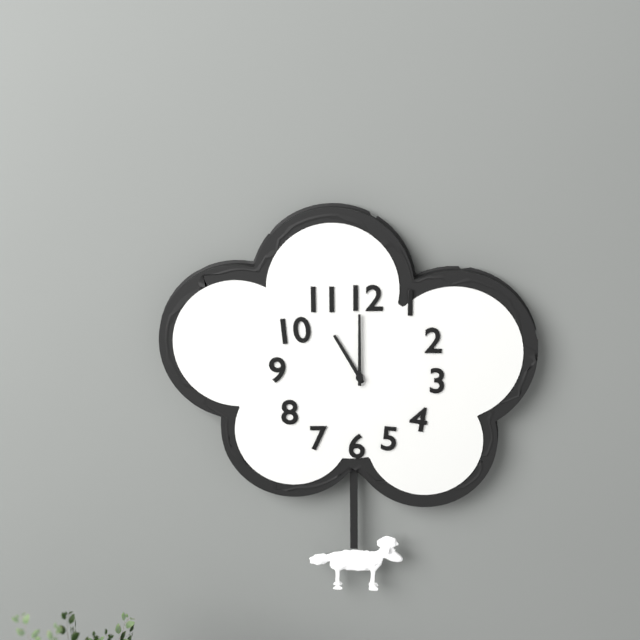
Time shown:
{"hour": 11, "minute": 0}
